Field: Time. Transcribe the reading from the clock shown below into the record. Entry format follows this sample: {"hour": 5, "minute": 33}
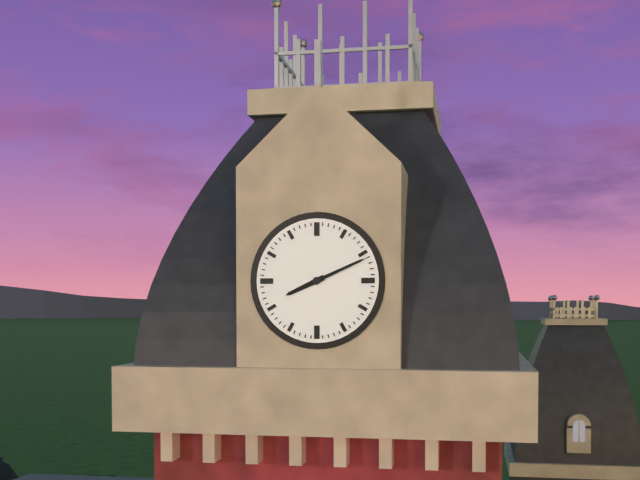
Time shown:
{"hour": 8, "minute": 11}
